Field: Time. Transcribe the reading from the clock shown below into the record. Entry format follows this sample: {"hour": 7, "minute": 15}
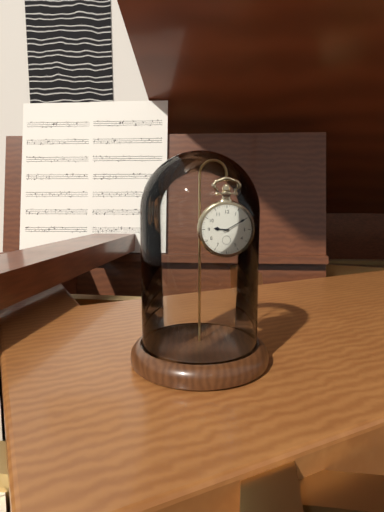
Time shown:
{"hour": 9, "minute": 10}
